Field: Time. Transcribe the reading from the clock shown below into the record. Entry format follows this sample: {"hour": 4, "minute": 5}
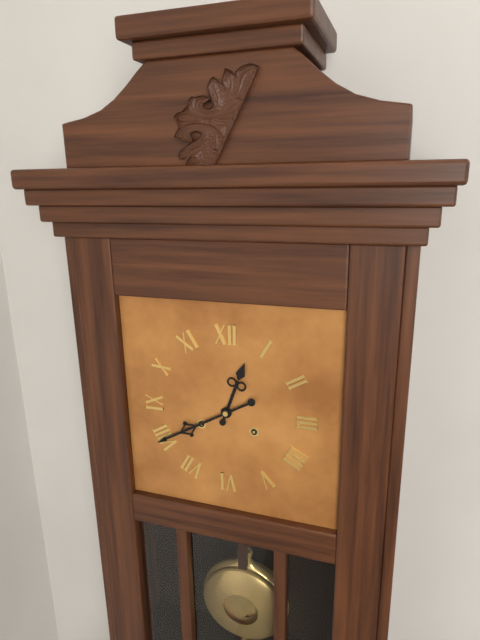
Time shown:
{"hour": 12, "minute": 40}
